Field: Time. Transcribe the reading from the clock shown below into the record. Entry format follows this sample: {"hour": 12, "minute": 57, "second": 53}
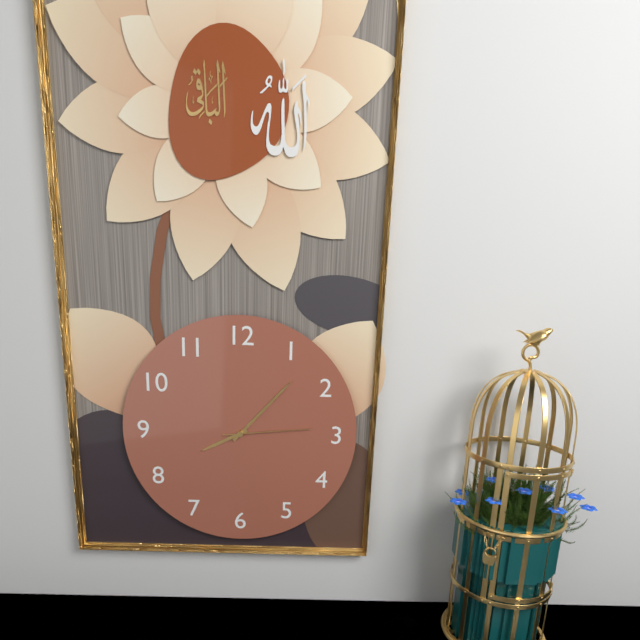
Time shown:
{"hour": 8, "minute": 7, "second": 14}
